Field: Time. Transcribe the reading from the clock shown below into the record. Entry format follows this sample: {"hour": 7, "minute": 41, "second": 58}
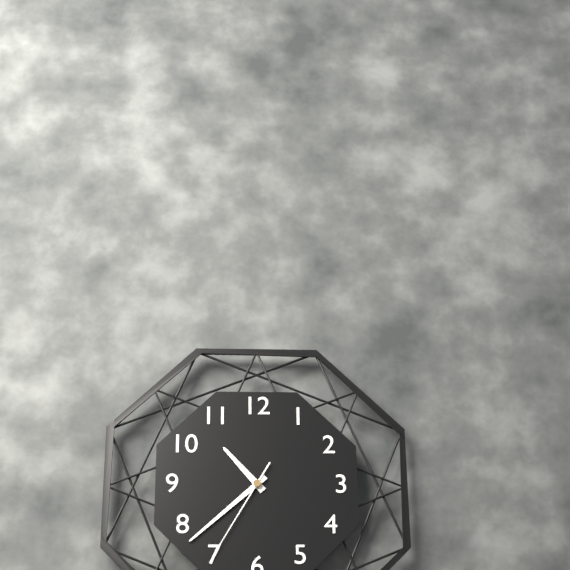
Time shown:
{"hour": 10, "minute": 38, "second": 35}
